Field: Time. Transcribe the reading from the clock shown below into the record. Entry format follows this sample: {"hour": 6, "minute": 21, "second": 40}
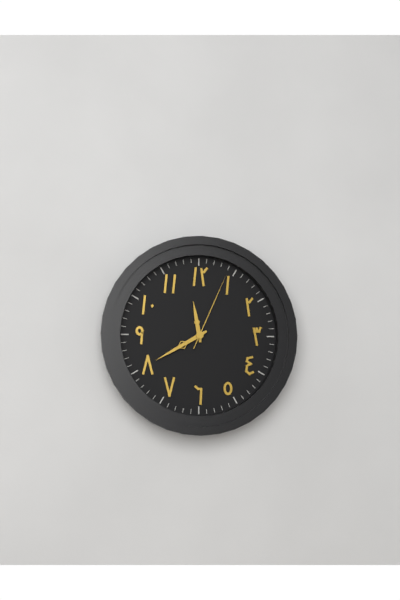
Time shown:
{"hour": 11, "minute": 40, "second": 4}
